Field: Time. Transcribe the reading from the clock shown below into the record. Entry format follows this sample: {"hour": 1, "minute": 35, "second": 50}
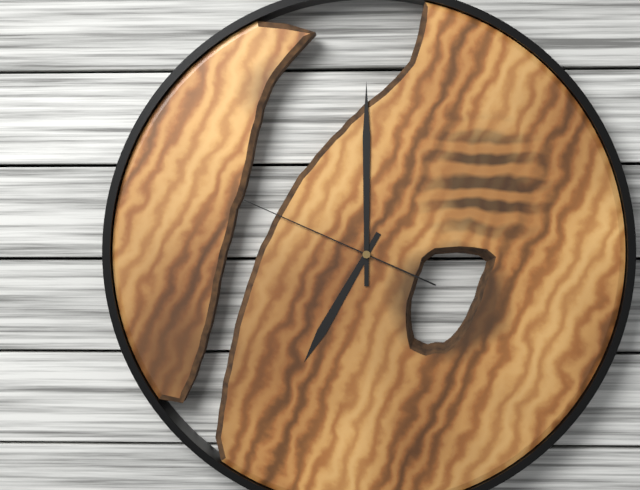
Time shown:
{"hour": 7, "minute": 0, "second": 49}
